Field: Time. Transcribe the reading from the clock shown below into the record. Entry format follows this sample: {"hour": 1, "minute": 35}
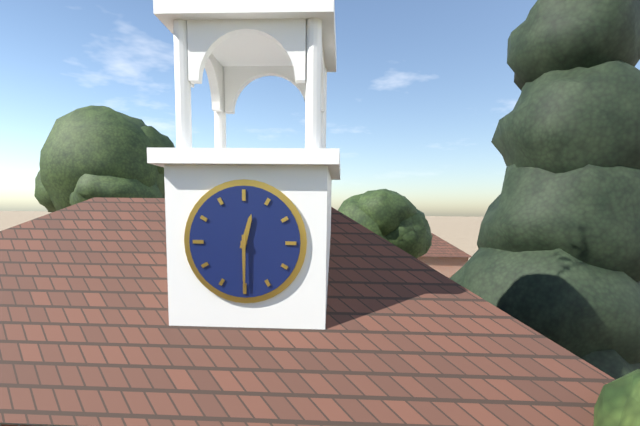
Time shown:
{"hour": 12, "minute": 30}
